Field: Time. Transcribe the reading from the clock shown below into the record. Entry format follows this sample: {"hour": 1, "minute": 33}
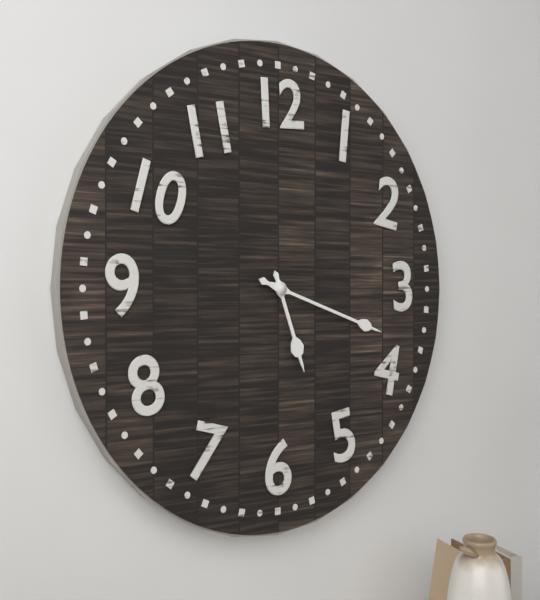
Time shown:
{"hour": 5, "minute": 18}
